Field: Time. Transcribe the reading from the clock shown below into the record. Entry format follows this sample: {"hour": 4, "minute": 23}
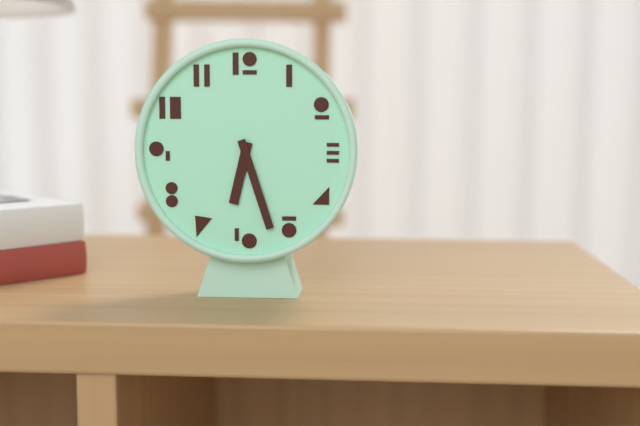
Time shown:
{"hour": 6, "minute": 27}
